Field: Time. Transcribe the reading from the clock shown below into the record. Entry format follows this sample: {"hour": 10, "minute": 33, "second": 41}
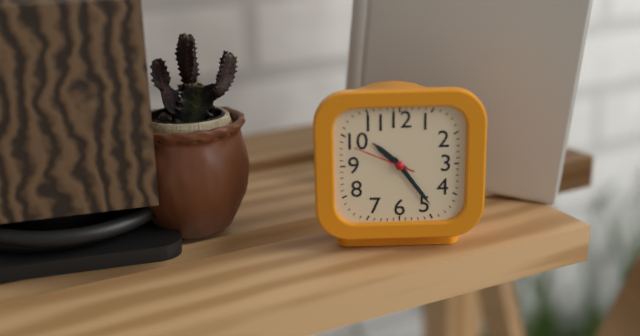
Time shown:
{"hour": 10, "minute": 24, "second": 49}
